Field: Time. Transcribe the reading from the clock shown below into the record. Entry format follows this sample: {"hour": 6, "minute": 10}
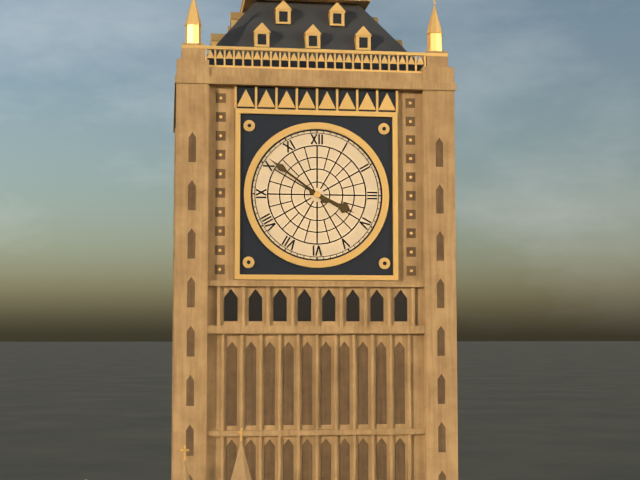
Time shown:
{"hour": 3, "minute": 51}
